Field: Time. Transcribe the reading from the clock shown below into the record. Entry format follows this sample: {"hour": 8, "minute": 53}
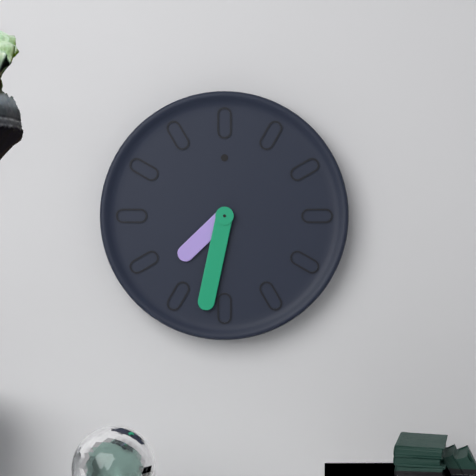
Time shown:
{"hour": 7, "minute": 32}
